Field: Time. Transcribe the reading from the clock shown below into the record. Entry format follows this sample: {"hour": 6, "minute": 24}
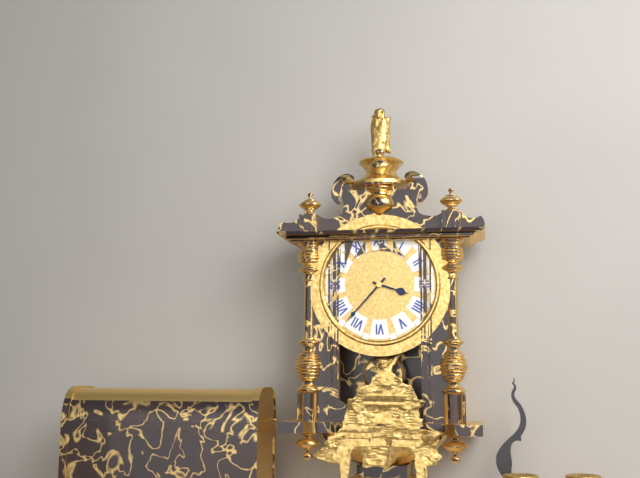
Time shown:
{"hour": 3, "minute": 37}
